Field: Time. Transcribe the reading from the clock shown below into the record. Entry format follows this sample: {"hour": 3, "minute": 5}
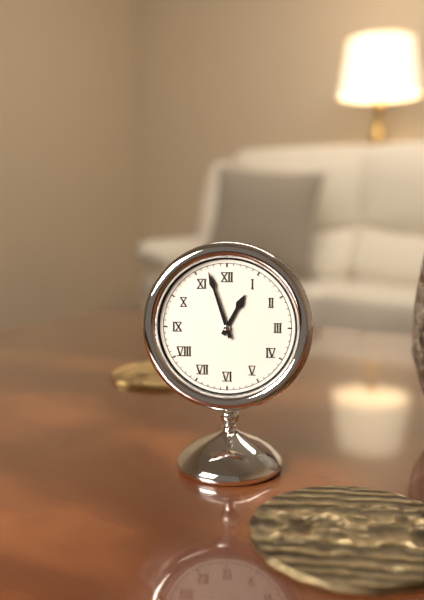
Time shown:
{"hour": 12, "minute": 57}
